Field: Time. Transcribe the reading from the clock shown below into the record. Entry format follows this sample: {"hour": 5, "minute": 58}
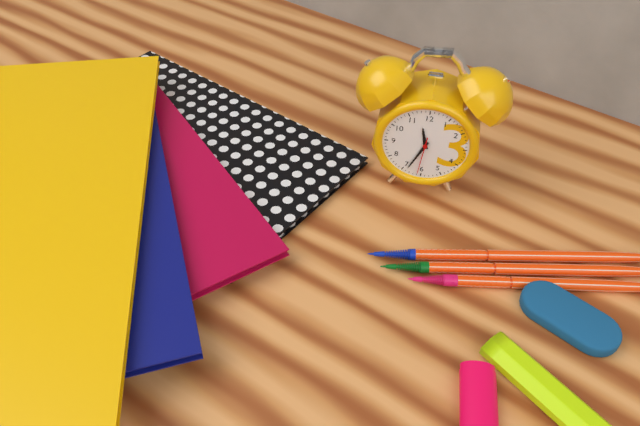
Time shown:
{"hour": 11, "minute": 34}
